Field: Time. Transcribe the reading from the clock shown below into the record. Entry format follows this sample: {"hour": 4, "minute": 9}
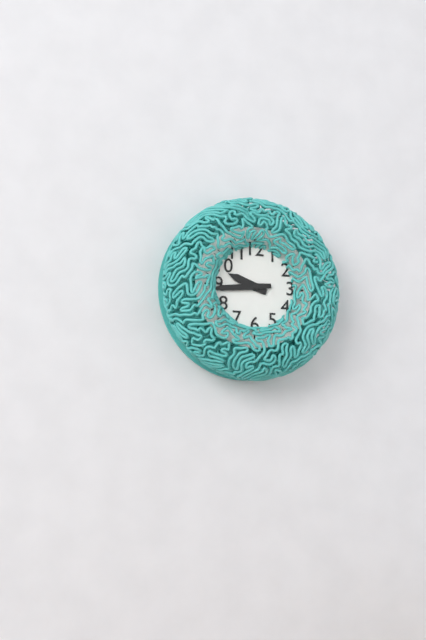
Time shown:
{"hour": 9, "minute": 44}
